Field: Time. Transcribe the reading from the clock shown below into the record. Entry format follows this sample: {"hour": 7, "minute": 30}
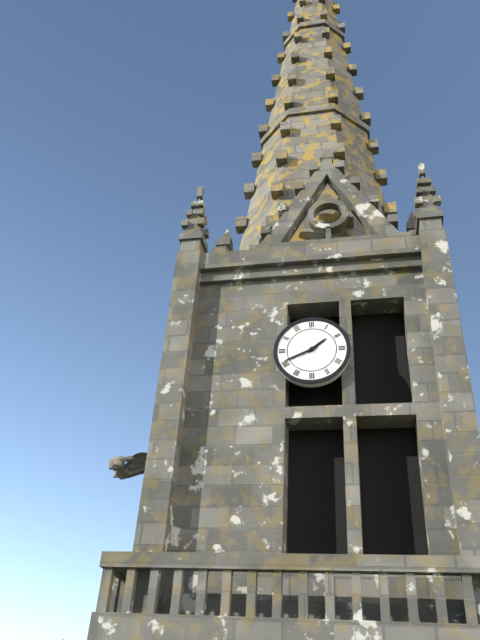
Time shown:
{"hour": 1, "minute": 41}
